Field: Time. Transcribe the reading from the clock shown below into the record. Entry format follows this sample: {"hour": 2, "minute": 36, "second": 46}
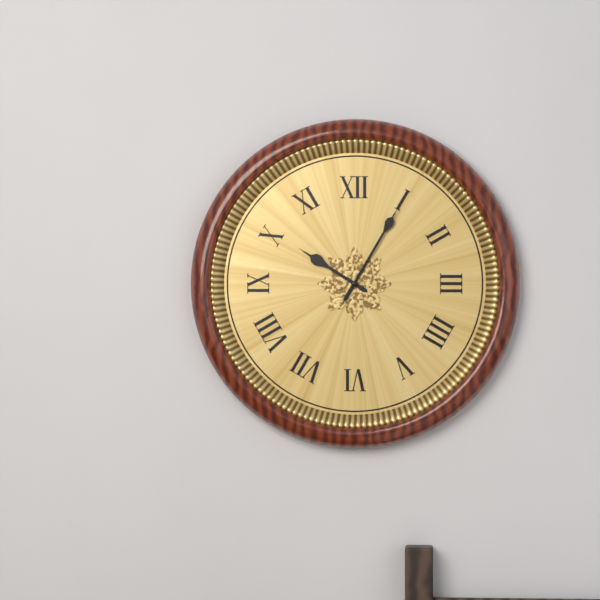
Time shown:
{"hour": 10, "minute": 5, "second": 5}
